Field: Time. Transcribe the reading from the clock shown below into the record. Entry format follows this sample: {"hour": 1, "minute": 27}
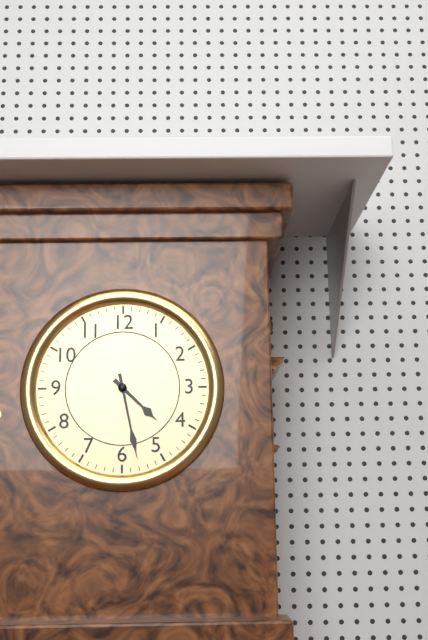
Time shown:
{"hour": 4, "minute": 28}
